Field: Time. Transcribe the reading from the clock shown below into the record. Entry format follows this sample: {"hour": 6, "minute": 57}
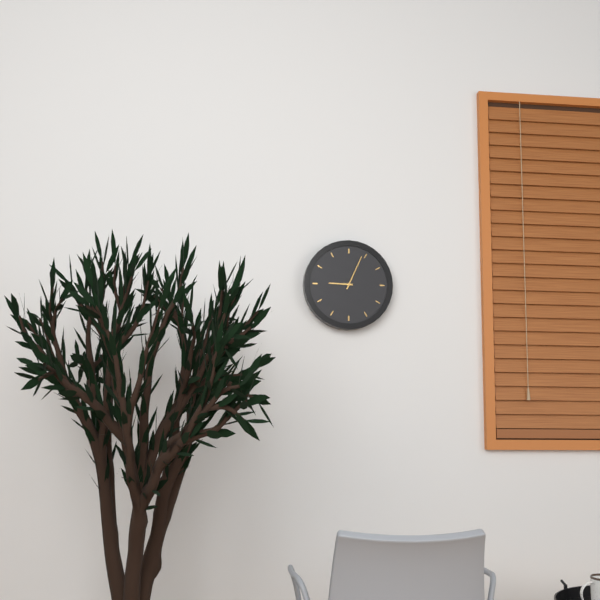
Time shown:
{"hour": 9, "minute": 4}
